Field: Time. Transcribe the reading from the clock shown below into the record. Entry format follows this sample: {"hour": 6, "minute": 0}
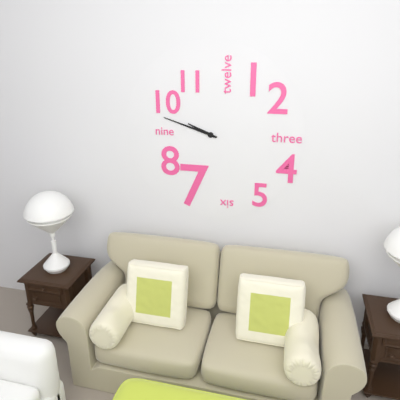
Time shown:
{"hour": 9, "minute": 48}
